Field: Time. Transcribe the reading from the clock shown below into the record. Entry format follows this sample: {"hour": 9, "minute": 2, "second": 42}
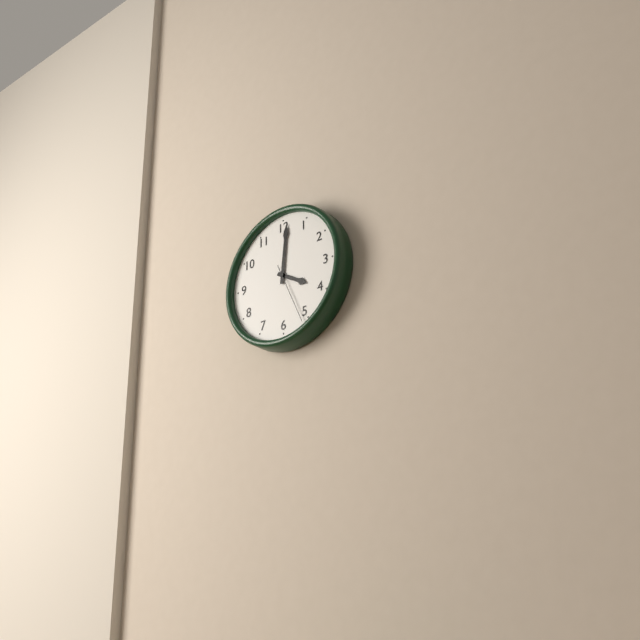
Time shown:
{"hour": 4, "minute": 1, "second": 26}
